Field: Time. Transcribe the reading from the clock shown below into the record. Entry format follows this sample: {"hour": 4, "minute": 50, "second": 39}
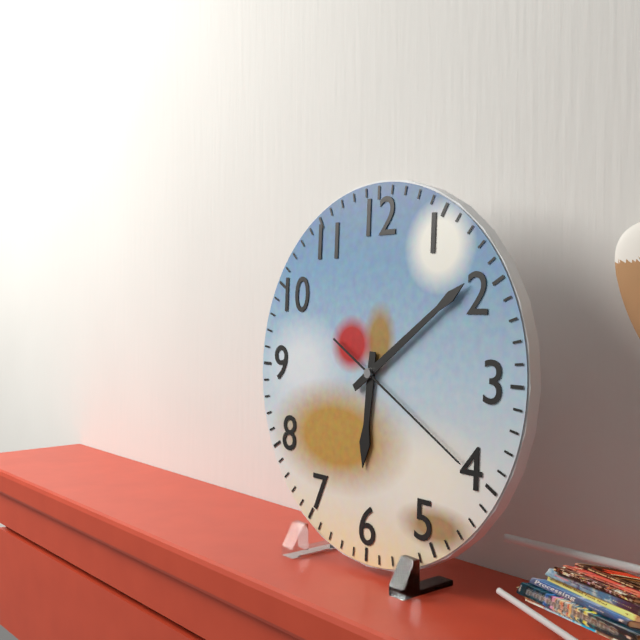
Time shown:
{"hour": 6, "minute": 9, "second": 20}
